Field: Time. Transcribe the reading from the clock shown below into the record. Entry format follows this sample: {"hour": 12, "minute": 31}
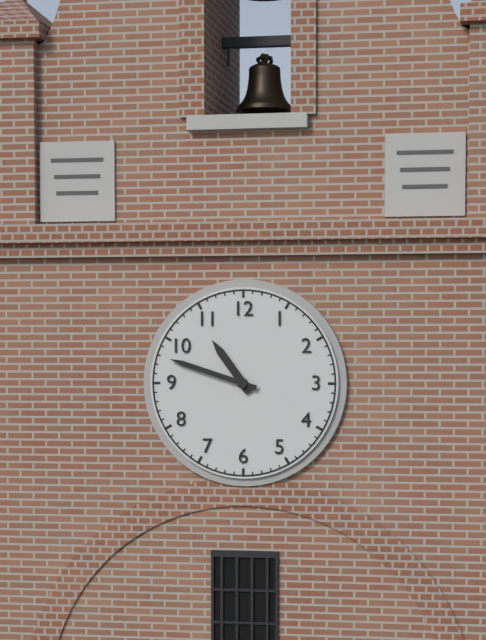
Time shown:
{"hour": 10, "minute": 48}
